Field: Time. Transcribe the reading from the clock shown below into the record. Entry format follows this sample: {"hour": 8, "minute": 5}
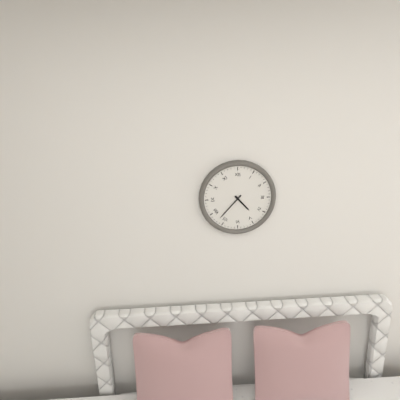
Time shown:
{"hour": 4, "minute": 37}
